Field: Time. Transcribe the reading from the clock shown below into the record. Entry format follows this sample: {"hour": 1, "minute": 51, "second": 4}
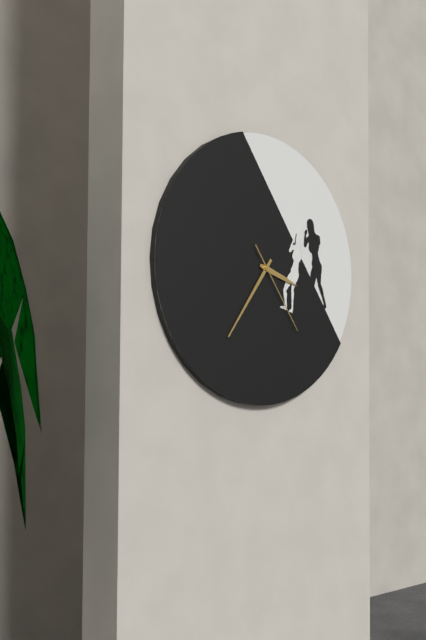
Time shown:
{"hour": 3, "minute": 36, "second": 24}
